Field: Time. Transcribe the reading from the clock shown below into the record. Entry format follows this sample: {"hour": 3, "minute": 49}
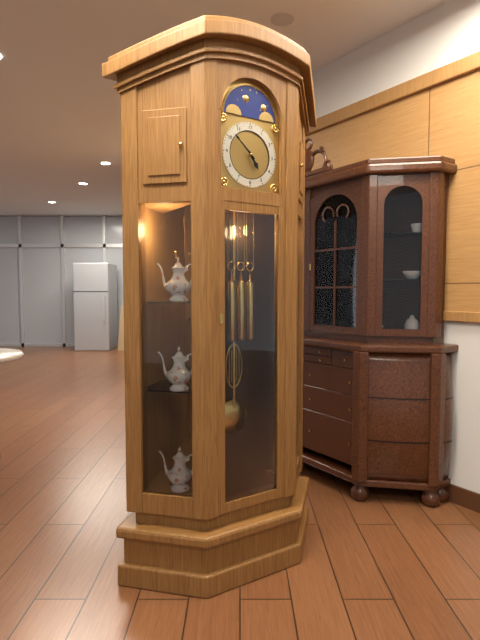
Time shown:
{"hour": 4, "minute": 52}
